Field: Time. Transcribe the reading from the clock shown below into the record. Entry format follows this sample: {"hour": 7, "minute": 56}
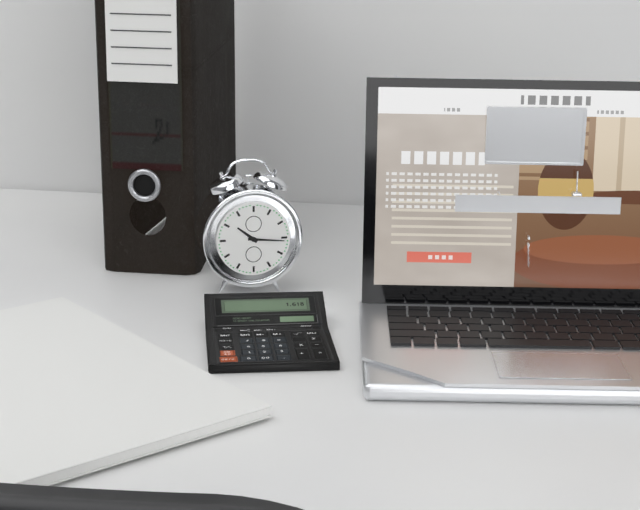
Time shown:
{"hour": 10, "minute": 16}
